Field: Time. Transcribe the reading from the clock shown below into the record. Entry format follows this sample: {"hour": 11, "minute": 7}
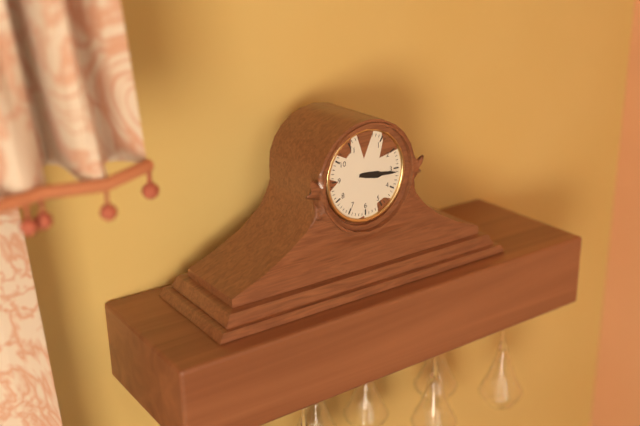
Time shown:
{"hour": 3, "minute": 16}
